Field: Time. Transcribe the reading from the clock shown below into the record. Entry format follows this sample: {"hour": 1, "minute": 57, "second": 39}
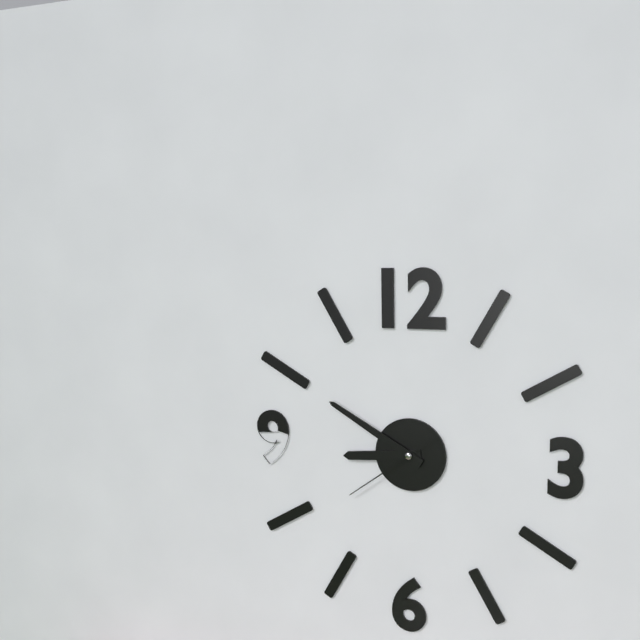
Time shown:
{"hour": 8, "minute": 50, "second": 39}
